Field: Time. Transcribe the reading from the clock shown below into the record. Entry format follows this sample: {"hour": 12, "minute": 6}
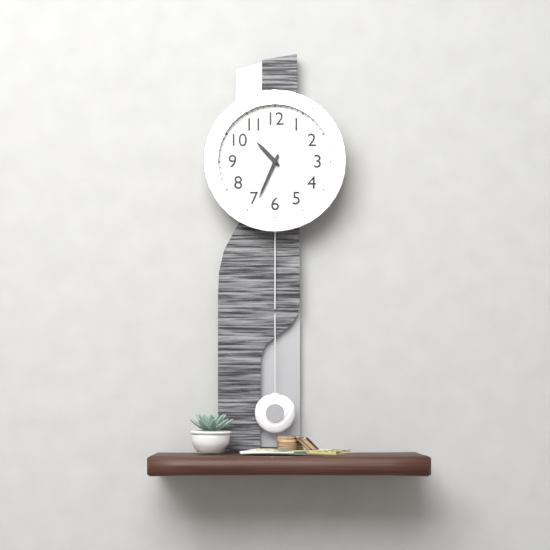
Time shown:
{"hour": 10, "minute": 34}
